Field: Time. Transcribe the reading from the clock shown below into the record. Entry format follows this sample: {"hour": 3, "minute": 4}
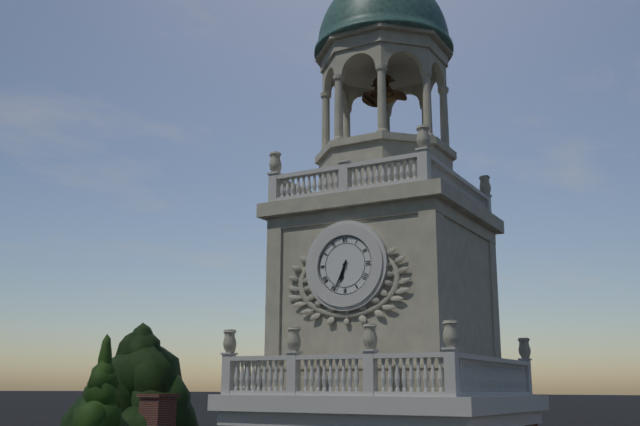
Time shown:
{"hour": 6, "minute": 34}
